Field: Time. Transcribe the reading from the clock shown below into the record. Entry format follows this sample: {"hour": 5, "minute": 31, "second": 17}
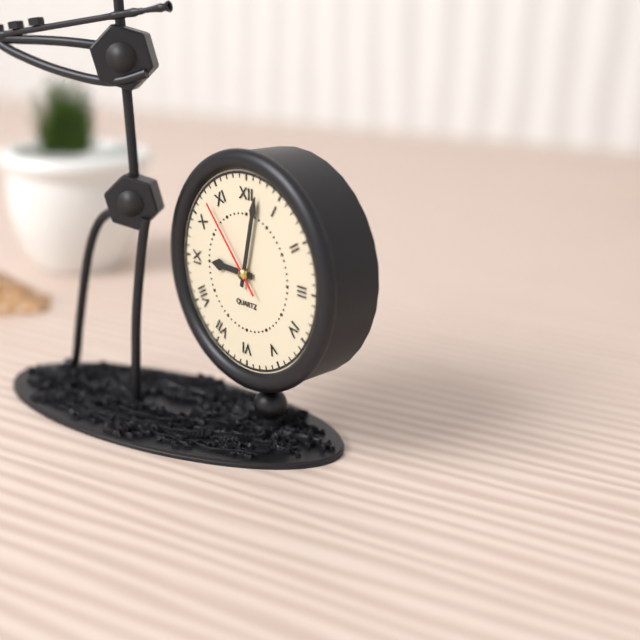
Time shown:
{"hour": 9, "minute": 2, "second": 53}
